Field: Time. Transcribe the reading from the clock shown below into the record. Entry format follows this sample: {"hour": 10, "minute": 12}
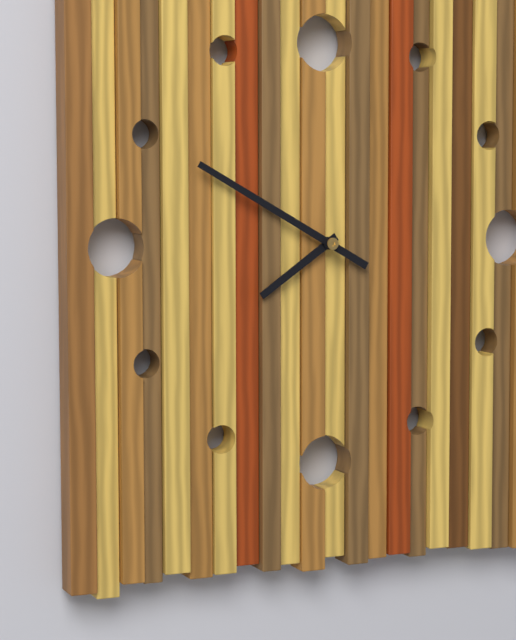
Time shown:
{"hour": 7, "minute": 50}
